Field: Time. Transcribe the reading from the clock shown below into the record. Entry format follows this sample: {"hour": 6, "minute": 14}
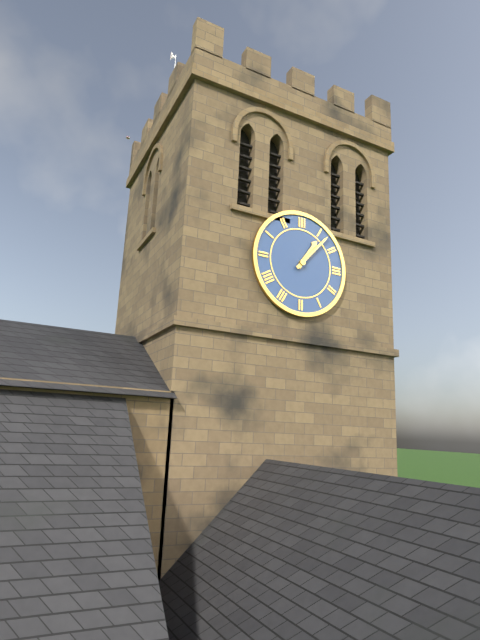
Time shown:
{"hour": 1, "minute": 7}
